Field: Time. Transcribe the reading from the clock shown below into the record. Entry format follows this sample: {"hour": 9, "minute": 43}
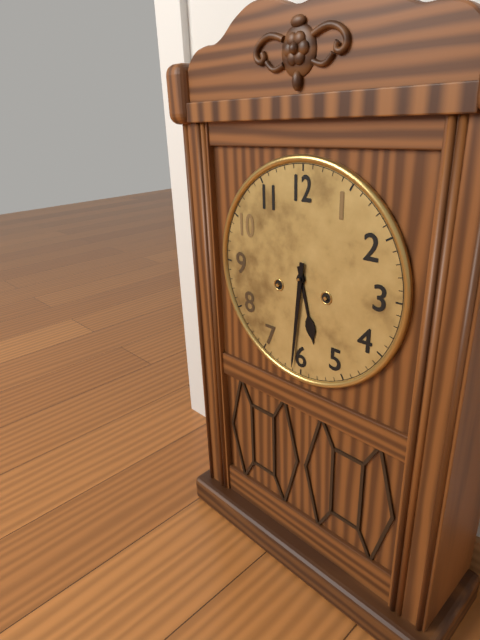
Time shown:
{"hour": 5, "minute": 31}
